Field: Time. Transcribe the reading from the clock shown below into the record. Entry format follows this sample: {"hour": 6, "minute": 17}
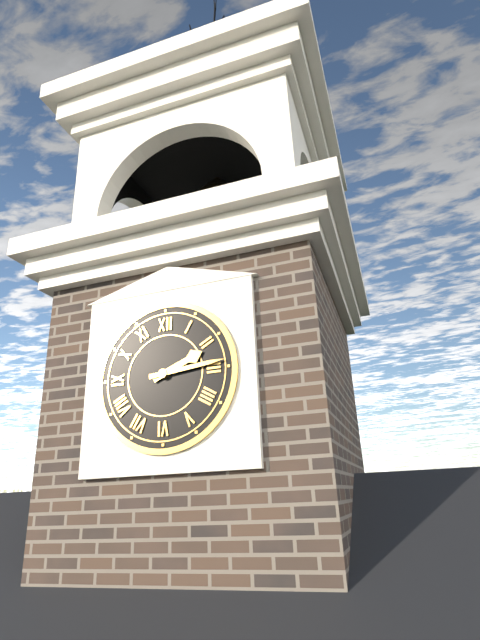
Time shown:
{"hour": 2, "minute": 14}
